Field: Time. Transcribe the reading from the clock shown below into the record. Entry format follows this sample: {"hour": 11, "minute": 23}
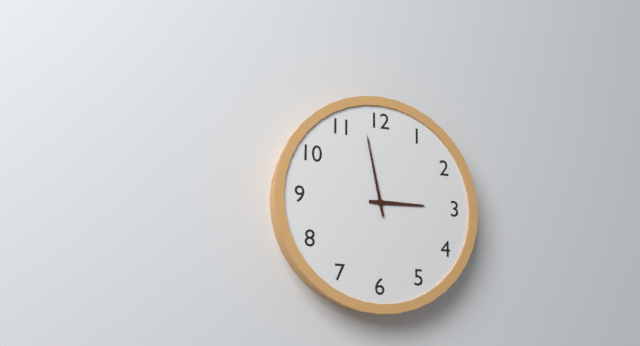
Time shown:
{"hour": 2, "minute": 58}
